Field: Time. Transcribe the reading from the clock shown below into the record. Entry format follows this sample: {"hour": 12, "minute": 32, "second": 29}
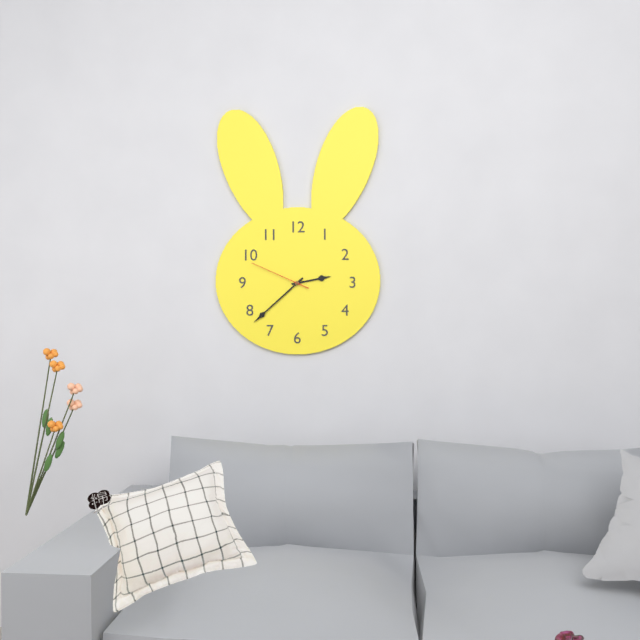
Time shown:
{"hour": 2, "minute": 38, "second": 49}
